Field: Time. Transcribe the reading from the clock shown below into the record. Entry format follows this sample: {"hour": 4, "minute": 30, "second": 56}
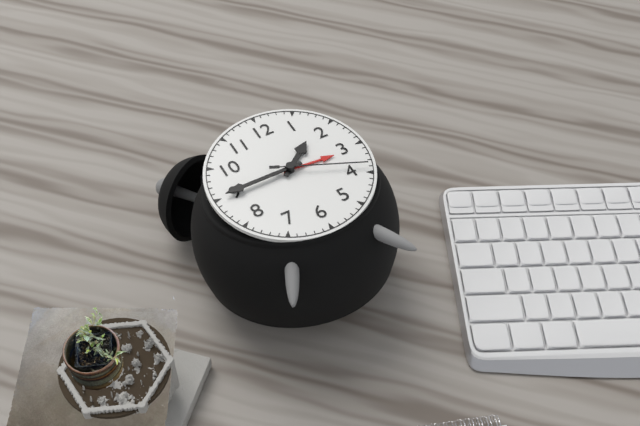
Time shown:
{"hour": 1, "minute": 45, "second": 19}
